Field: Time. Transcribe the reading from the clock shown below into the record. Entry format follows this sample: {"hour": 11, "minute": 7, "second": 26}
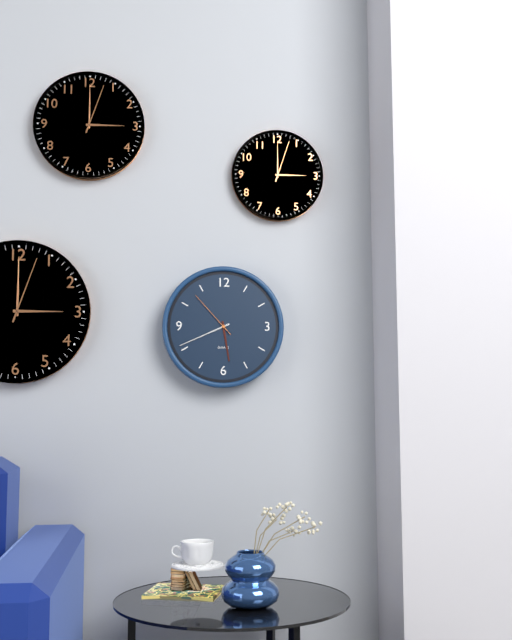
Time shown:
{"hour": 5, "minute": 41, "second": 53}
